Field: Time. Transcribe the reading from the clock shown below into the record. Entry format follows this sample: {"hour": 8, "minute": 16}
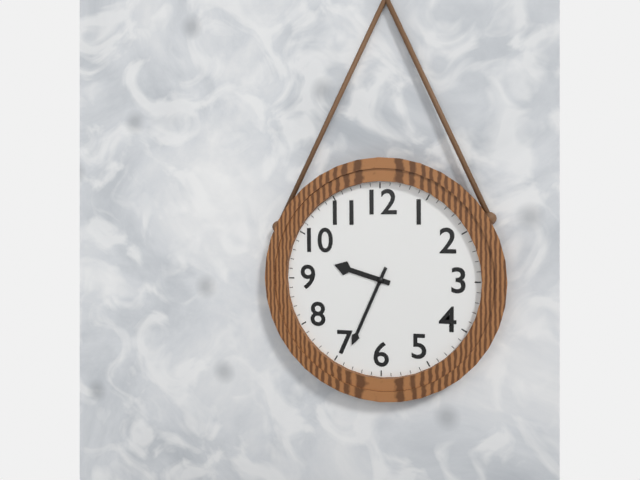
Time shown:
{"hour": 9, "minute": 34}
